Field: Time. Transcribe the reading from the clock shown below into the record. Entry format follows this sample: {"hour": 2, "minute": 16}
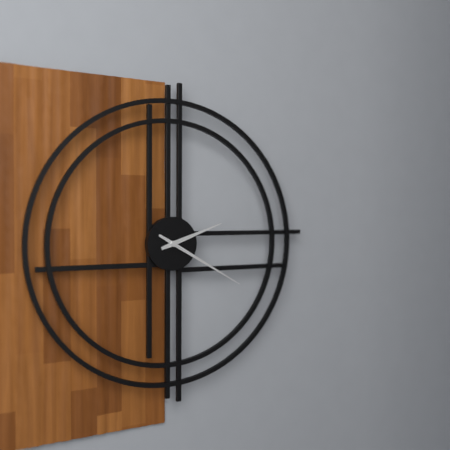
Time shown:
{"hour": 2, "minute": 20}
